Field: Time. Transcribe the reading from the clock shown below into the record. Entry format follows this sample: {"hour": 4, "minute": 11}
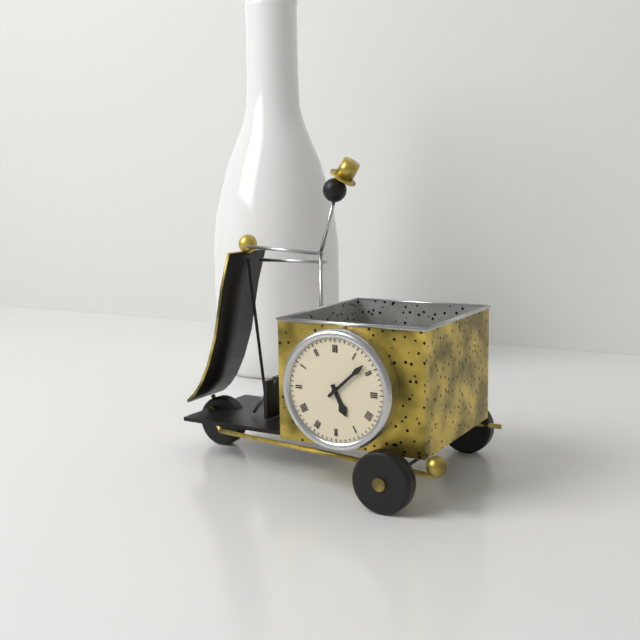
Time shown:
{"hour": 5, "minute": 8}
